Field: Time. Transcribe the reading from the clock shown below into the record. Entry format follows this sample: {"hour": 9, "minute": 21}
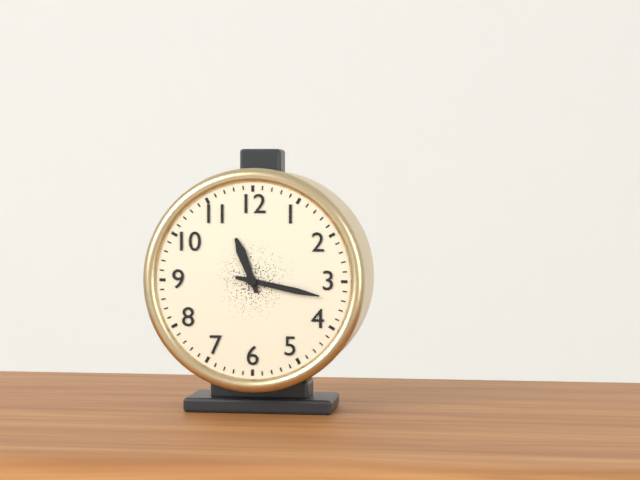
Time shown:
{"hour": 11, "minute": 17}
